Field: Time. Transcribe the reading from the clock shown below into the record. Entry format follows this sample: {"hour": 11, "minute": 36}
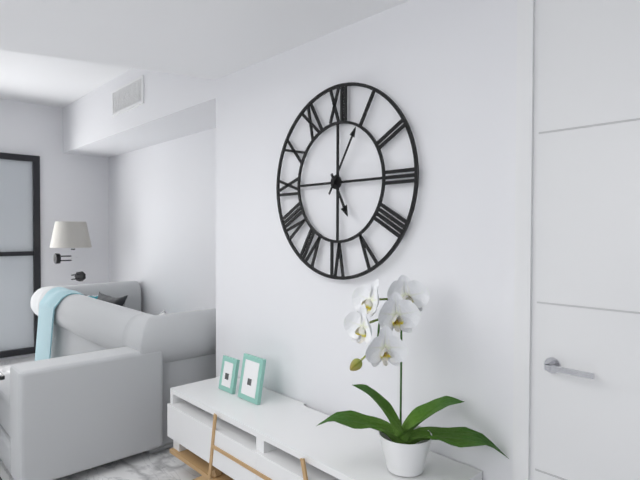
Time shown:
{"hour": 5, "minute": 5}
